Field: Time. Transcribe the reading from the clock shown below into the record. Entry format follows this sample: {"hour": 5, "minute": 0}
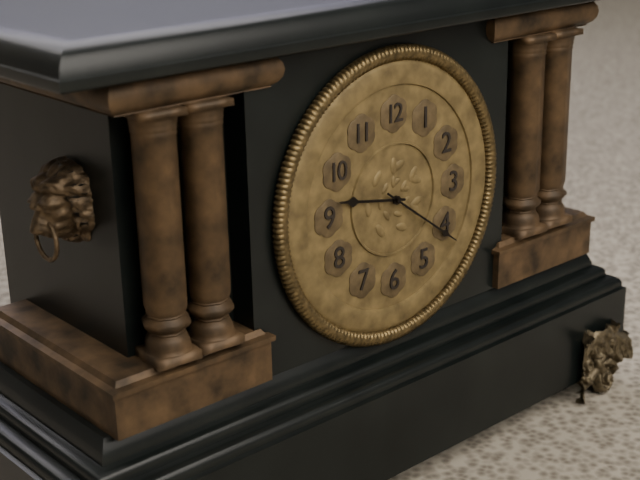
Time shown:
{"hour": 9, "minute": 21}
